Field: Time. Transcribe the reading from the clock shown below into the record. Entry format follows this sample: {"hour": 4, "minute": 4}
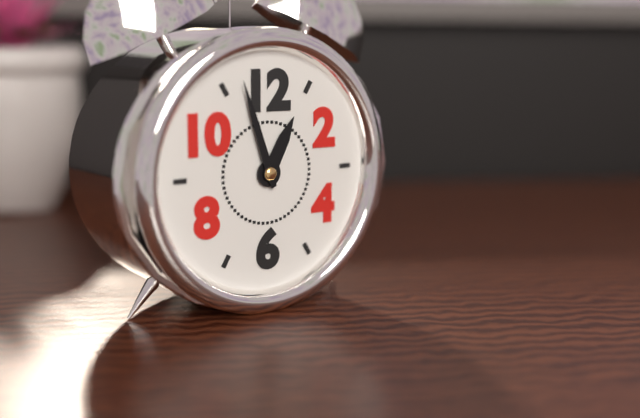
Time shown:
{"hour": 12, "minute": 57}
